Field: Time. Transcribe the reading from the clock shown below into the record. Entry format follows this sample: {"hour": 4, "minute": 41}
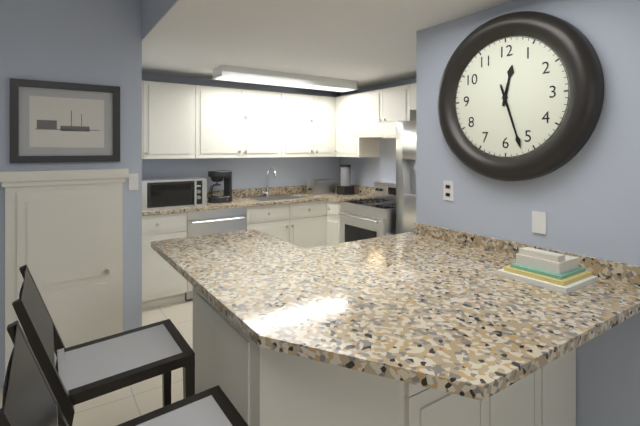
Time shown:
{"hour": 12, "minute": 27}
